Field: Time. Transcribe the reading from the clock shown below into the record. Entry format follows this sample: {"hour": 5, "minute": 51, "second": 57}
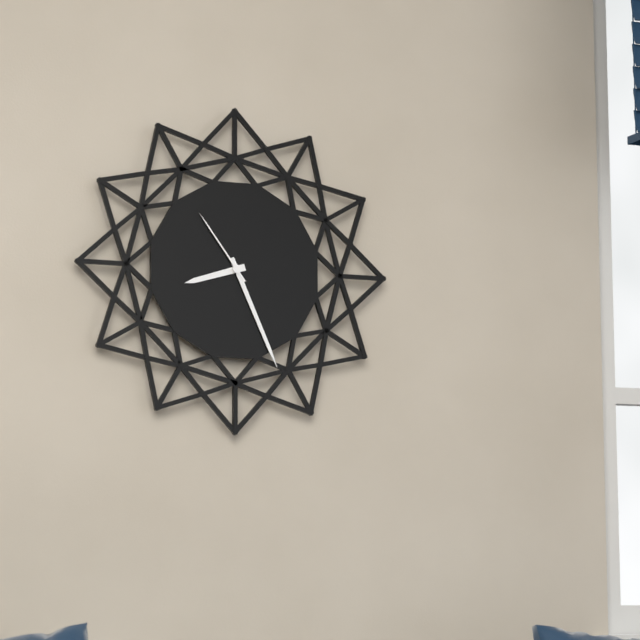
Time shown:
{"hour": 8, "minute": 26, "second": 54}
